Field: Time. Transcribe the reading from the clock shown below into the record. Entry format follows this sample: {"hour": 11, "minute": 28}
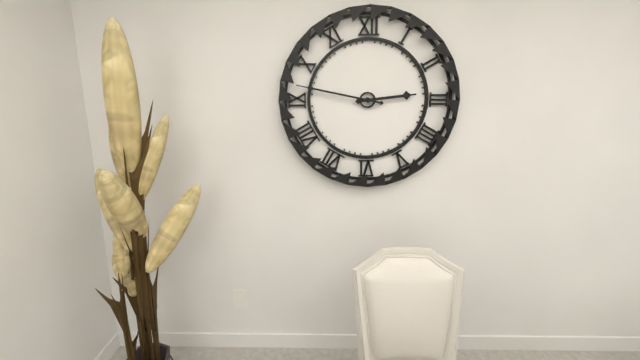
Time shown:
{"hour": 2, "minute": 47}
